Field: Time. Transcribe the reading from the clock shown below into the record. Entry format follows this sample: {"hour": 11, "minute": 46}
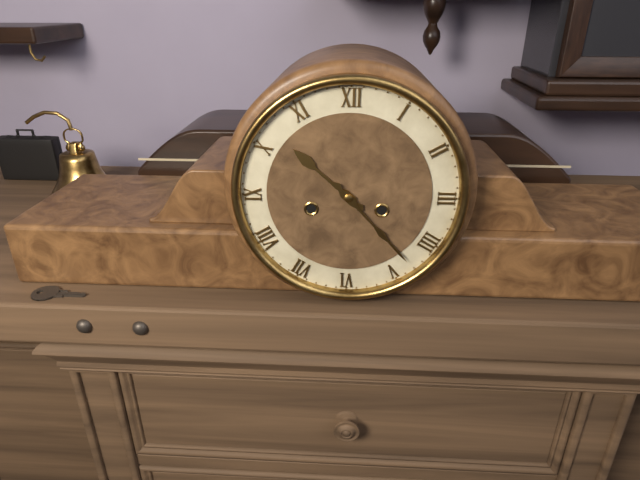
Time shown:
{"hour": 10, "minute": 23}
